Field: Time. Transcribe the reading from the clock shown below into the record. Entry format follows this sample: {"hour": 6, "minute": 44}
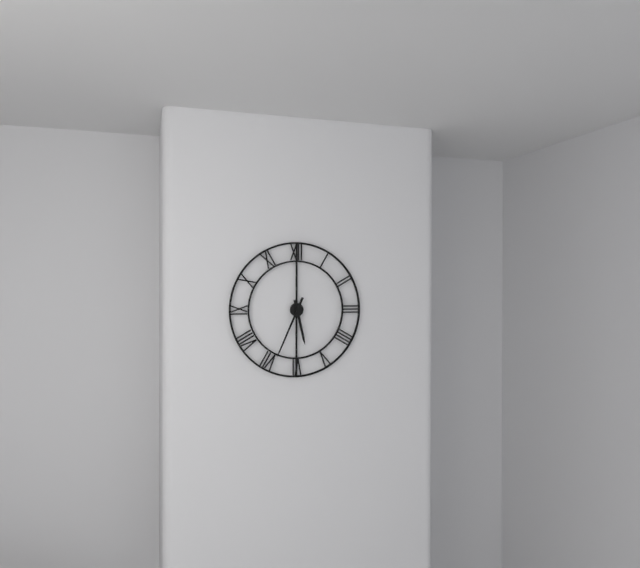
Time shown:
{"hour": 5, "minute": 34}
